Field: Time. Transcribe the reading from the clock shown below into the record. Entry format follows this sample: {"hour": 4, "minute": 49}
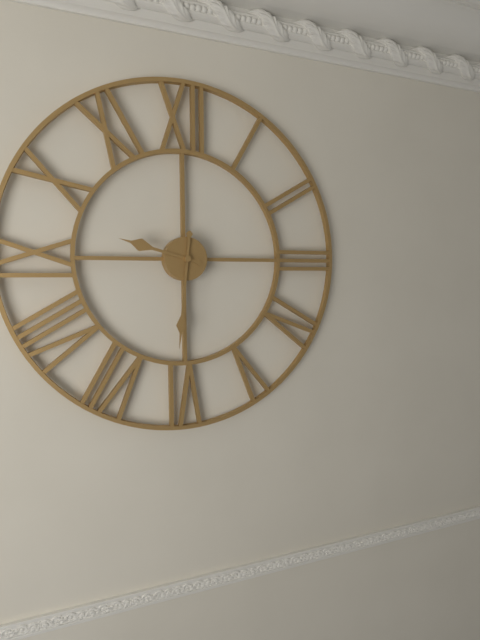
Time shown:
{"hour": 9, "minute": 31}
